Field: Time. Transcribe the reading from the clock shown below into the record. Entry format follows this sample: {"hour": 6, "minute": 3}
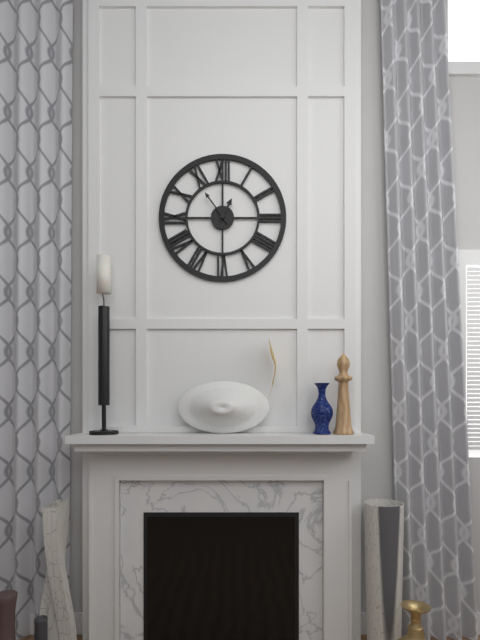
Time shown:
{"hour": 12, "minute": 54}
